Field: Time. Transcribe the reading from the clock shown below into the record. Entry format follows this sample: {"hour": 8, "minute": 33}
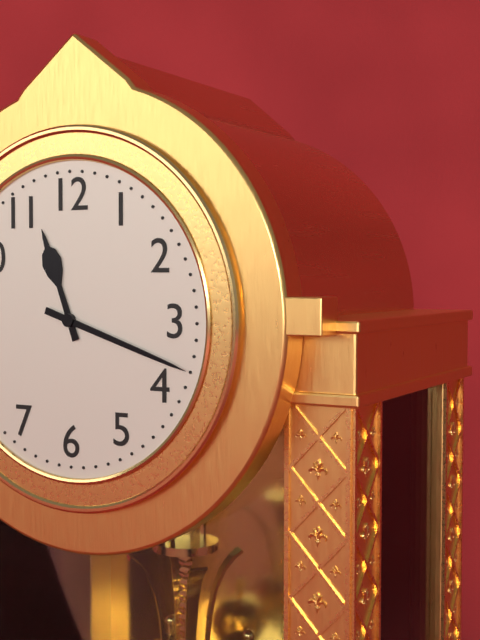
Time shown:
{"hour": 11, "minute": 18}
